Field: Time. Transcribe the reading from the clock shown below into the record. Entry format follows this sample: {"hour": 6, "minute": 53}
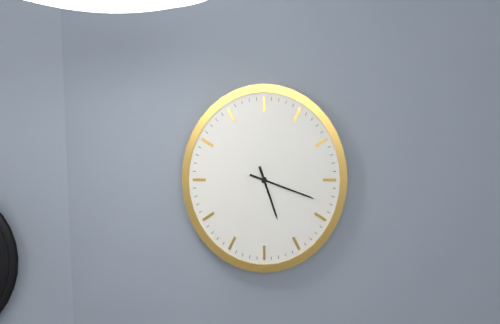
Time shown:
{"hour": 5, "minute": 18}
